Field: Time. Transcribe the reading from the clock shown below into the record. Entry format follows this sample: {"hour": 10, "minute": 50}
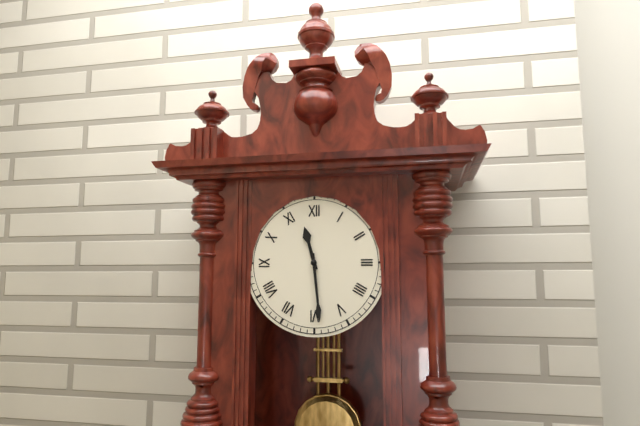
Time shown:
{"hour": 11, "minute": 29}
